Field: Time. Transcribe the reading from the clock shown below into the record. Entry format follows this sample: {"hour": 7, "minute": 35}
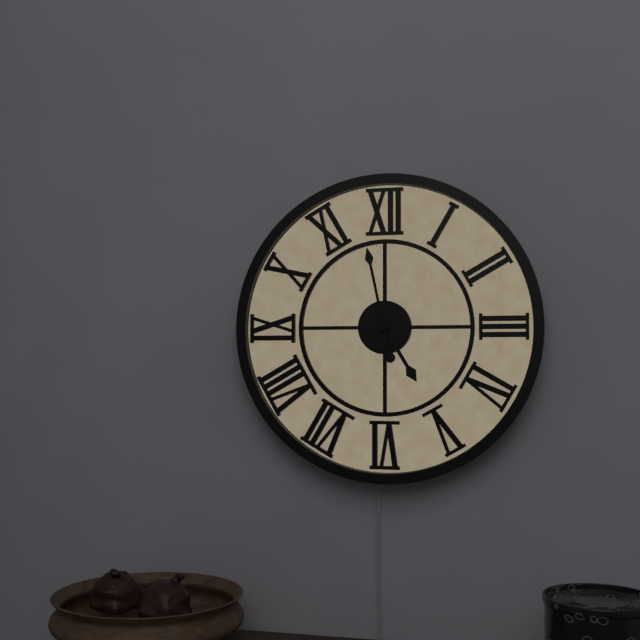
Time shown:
{"hour": 4, "minute": 58}
